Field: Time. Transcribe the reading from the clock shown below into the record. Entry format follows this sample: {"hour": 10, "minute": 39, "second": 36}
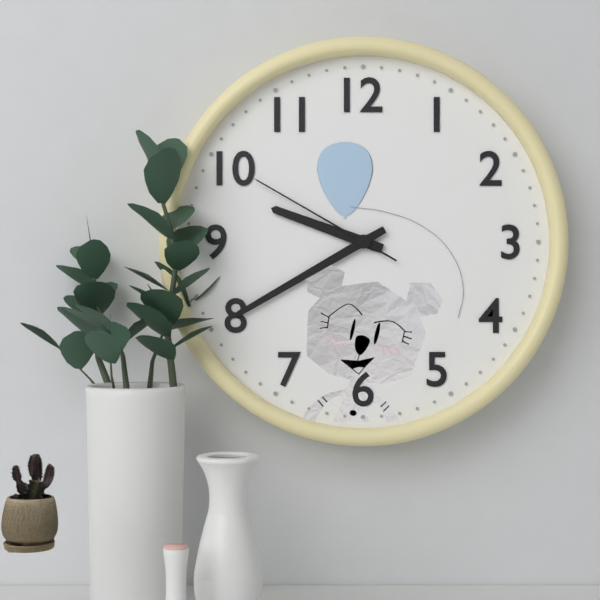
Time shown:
{"hour": 9, "minute": 40, "second": 50}
